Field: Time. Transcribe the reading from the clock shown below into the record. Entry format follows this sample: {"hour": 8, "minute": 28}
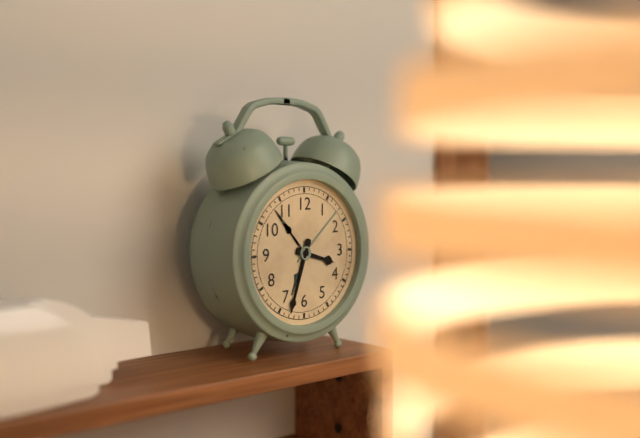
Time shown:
{"hour": 3, "minute": 33}
